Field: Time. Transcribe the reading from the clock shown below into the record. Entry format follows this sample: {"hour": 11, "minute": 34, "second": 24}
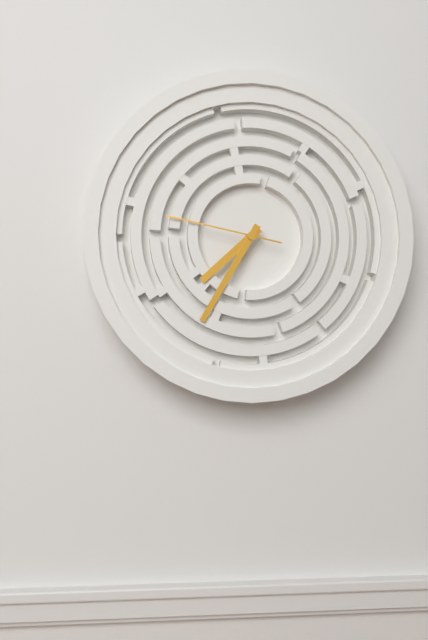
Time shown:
{"hour": 7, "minute": 35, "second": 47}
